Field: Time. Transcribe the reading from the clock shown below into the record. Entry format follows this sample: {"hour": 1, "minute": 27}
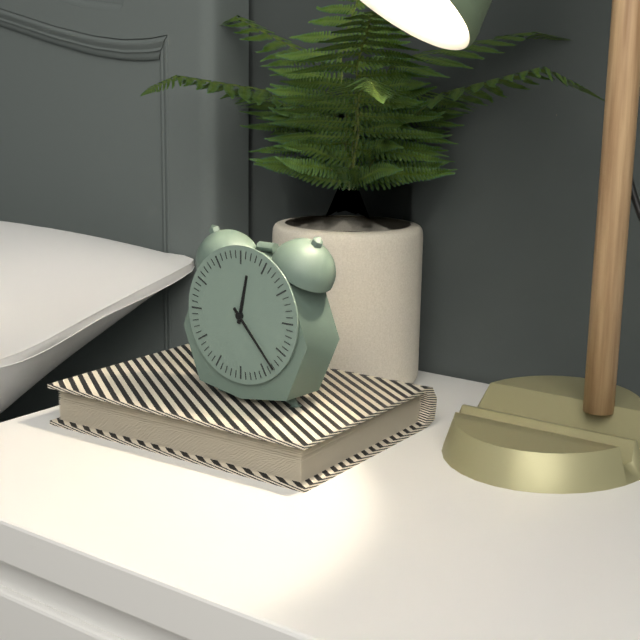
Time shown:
{"hour": 12, "minute": 23}
